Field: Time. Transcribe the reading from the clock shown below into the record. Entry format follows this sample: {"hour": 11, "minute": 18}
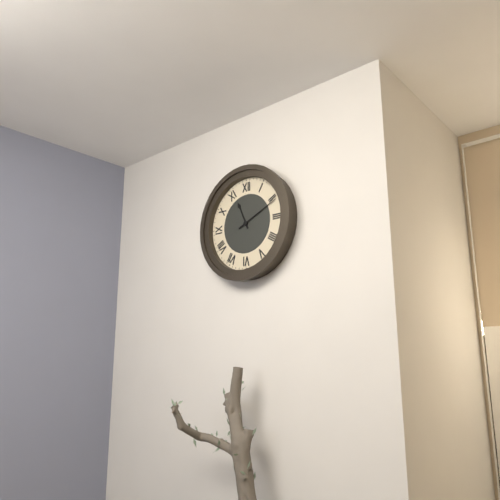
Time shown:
{"hour": 11, "minute": 11}
